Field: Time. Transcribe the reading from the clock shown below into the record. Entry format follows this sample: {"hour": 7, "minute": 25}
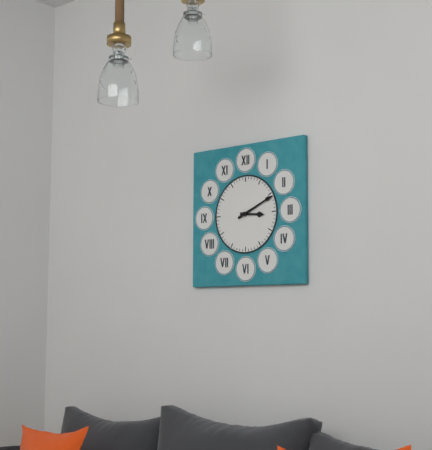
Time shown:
{"hour": 3, "minute": 11}
